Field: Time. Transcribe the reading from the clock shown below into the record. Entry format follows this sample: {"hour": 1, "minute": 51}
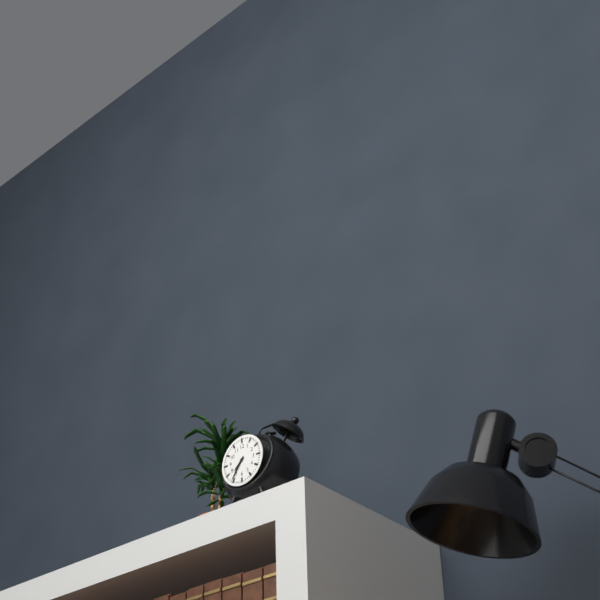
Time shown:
{"hour": 7, "minute": 36}
